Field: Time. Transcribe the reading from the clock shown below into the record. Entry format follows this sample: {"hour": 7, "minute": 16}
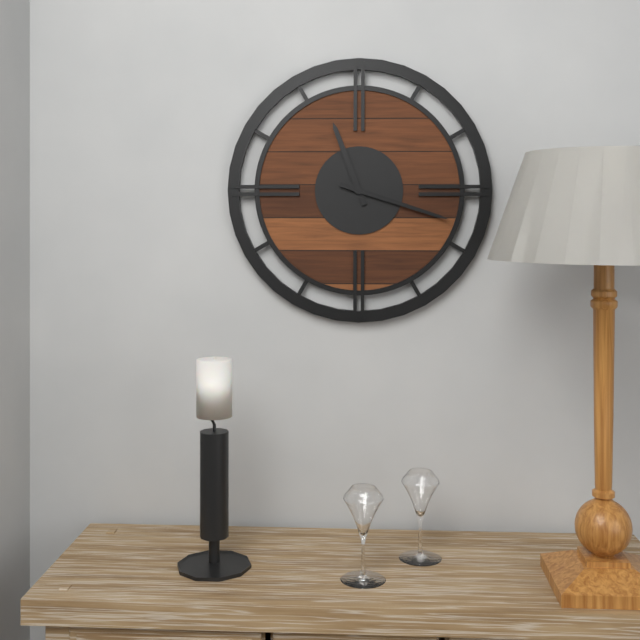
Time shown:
{"hour": 11, "minute": 18}
